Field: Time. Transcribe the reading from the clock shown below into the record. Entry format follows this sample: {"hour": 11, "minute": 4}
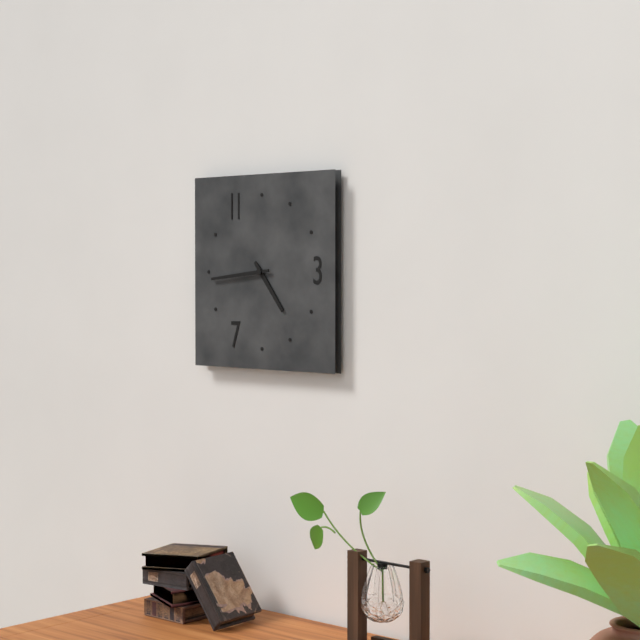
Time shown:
{"hour": 4, "minute": 44}
